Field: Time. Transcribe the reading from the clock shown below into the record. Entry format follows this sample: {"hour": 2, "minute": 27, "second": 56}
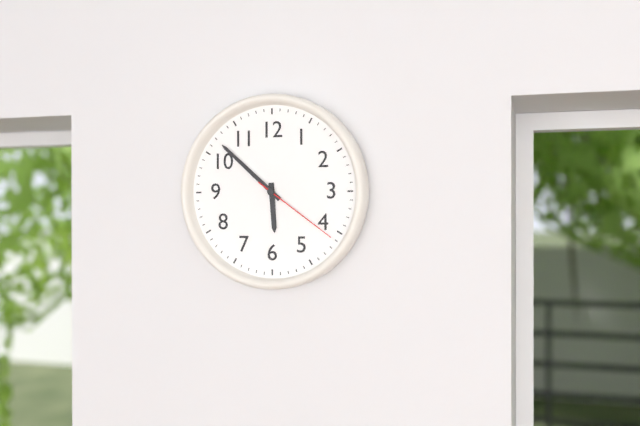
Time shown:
{"hour": 5, "minute": 52, "second": 21}
